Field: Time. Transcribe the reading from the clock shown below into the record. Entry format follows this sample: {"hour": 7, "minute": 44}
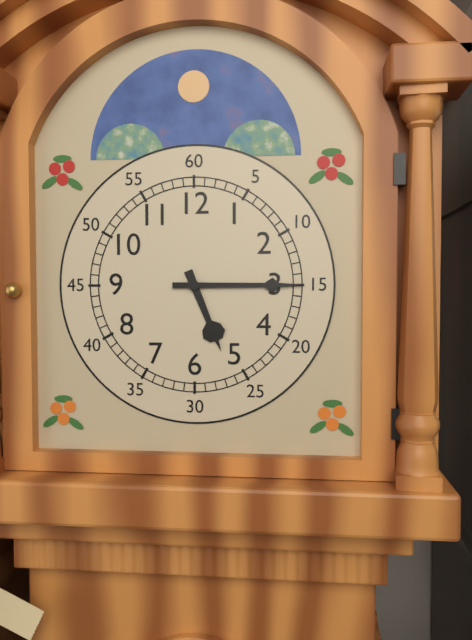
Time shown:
{"hour": 5, "minute": 15}
